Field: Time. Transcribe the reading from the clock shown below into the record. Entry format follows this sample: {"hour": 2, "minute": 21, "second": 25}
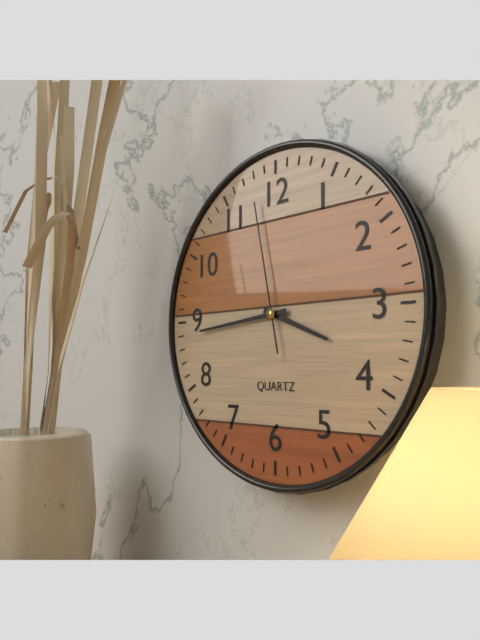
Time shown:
{"hour": 3, "minute": 44, "second": 58}
